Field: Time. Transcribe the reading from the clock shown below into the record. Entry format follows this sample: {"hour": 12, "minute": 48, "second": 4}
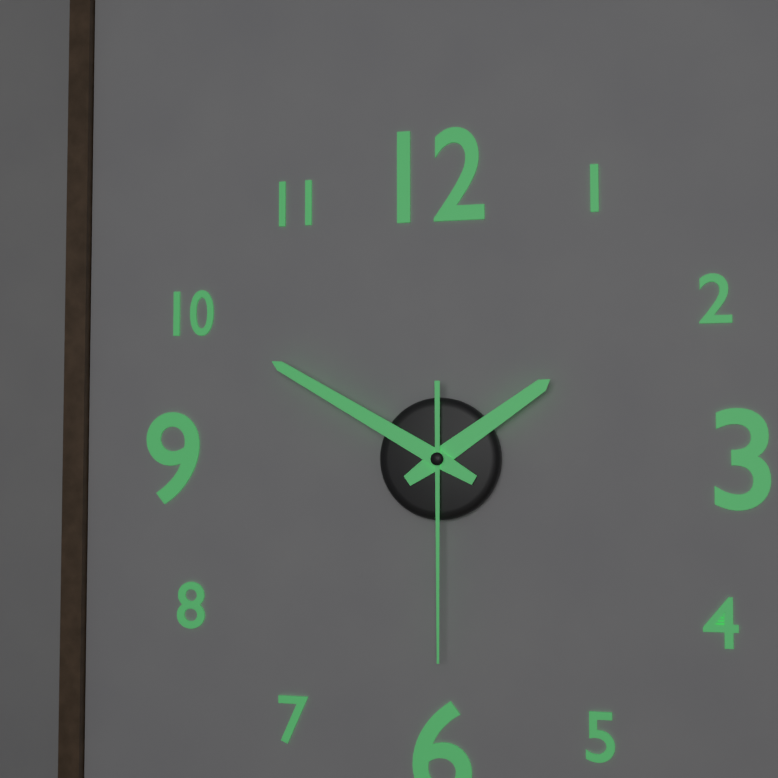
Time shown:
{"hour": 1, "minute": 50, "second": 30}
